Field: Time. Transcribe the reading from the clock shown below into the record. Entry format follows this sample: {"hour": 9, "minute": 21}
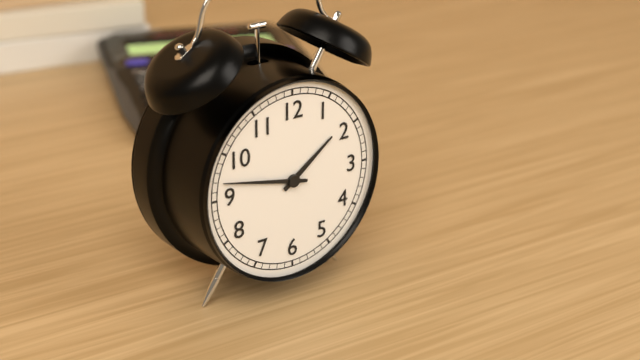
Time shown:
{"hour": 1, "minute": 47}
